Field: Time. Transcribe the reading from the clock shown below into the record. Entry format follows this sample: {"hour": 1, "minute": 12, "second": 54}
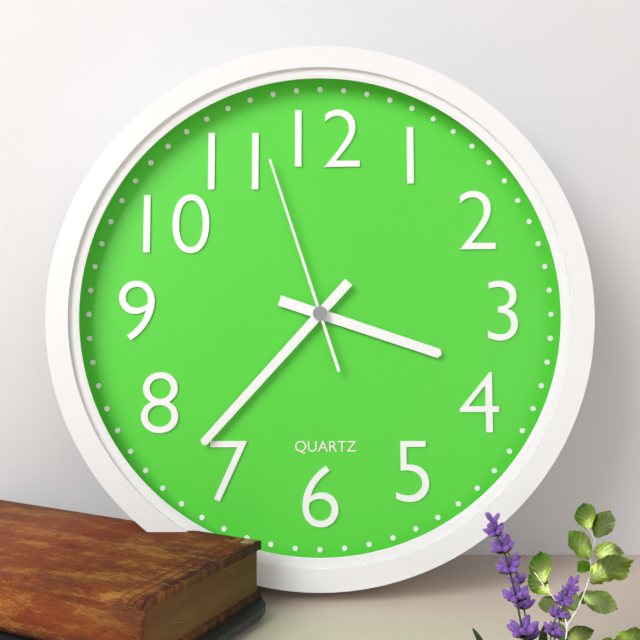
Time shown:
{"hour": 3, "minute": 37, "second": 57}
